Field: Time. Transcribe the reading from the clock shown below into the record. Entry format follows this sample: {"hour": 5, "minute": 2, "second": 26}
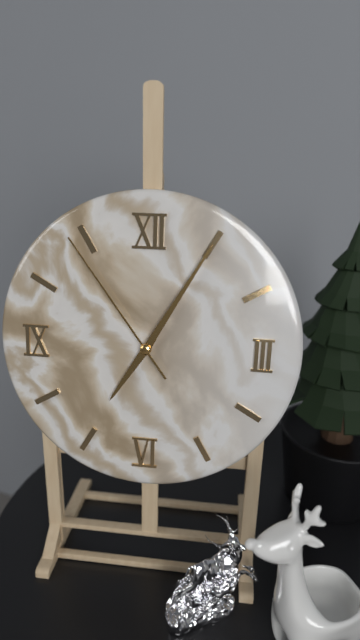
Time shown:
{"hour": 7, "minute": 5, "second": 54}
